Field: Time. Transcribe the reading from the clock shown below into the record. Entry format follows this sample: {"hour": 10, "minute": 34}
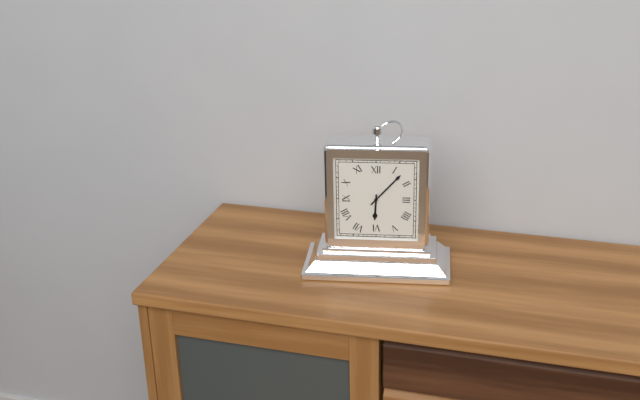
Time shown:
{"hour": 6, "minute": 7}
